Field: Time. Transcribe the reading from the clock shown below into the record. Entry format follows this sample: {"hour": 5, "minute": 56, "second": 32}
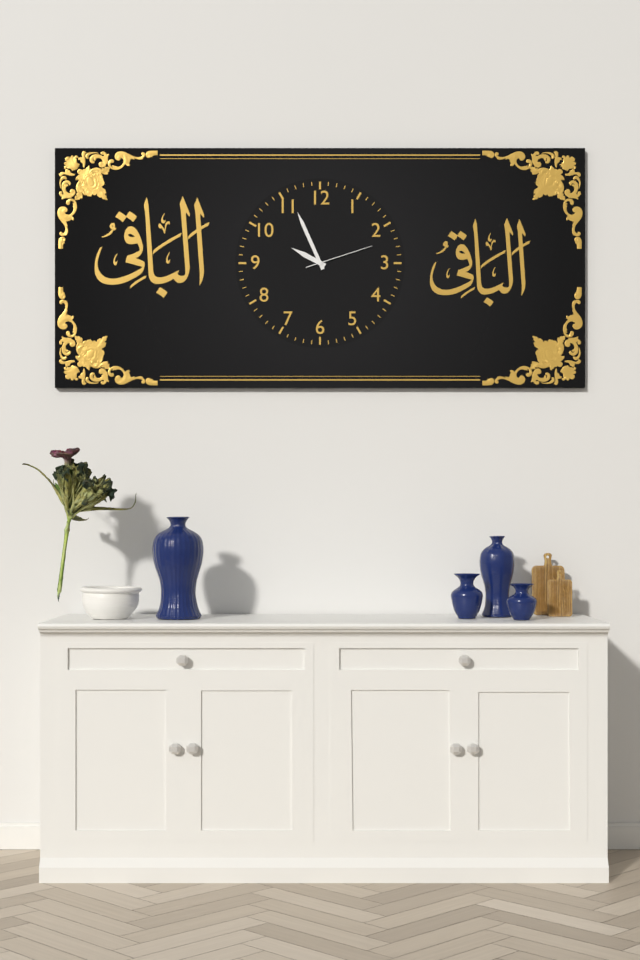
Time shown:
{"hour": 9, "minute": 56, "second": 12}
